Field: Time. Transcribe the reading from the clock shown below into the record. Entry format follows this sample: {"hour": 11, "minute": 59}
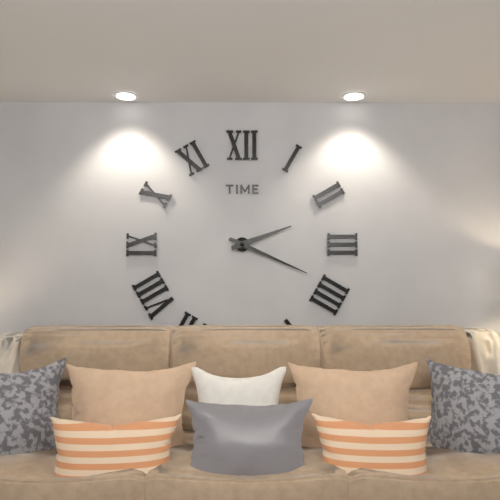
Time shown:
{"hour": 2, "minute": 19}
